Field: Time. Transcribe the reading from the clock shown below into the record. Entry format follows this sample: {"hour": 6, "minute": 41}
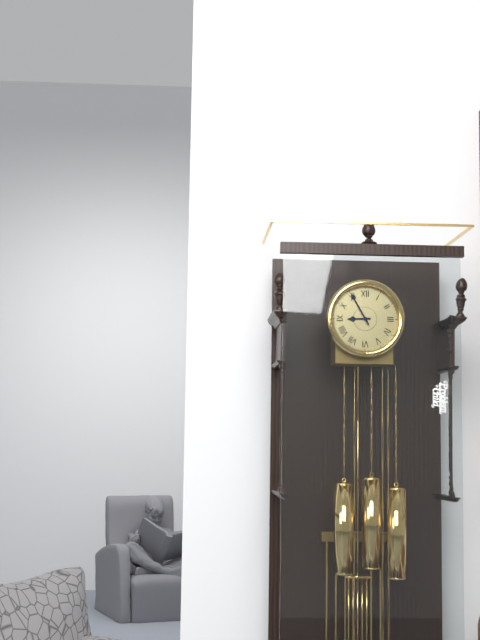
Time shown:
{"hour": 8, "minute": 55}
